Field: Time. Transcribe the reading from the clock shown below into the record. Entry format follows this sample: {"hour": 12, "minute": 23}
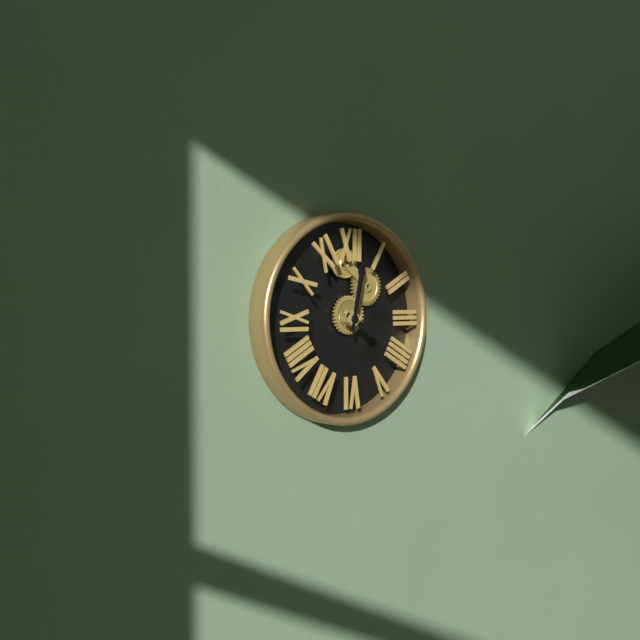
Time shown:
{"hour": 4, "minute": 2}
